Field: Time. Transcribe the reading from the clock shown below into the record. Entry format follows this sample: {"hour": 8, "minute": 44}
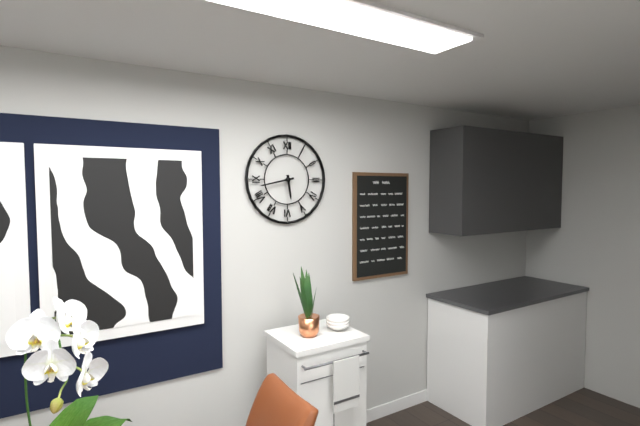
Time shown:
{"hour": 5, "minute": 43}
